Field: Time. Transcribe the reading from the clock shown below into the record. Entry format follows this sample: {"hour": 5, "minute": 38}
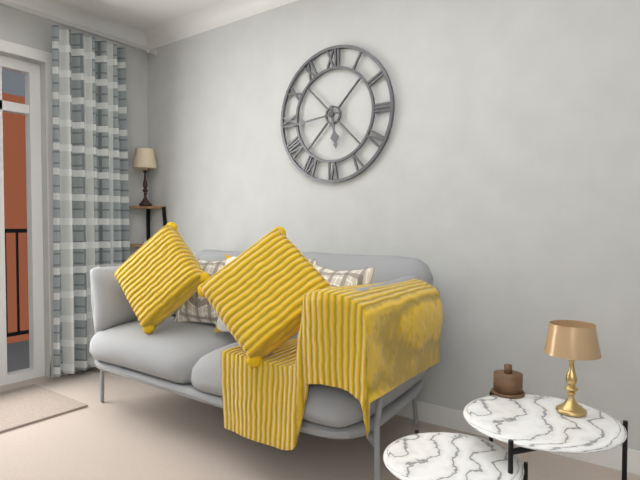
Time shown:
{"hour": 5, "minute": 44}
